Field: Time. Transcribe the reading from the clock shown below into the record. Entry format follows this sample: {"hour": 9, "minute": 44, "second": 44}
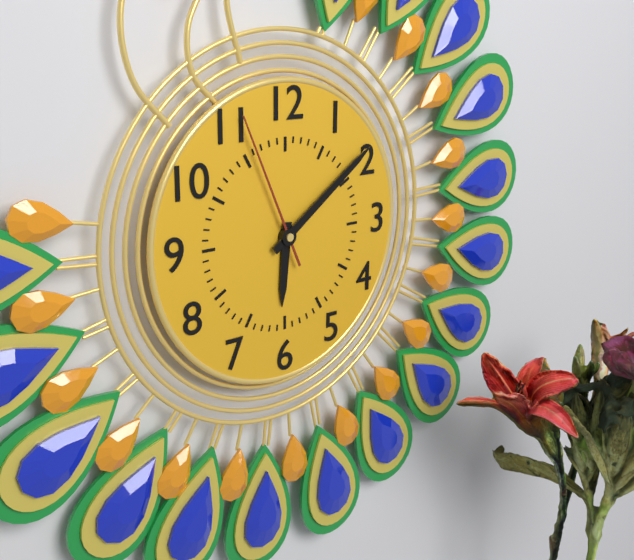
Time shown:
{"hour": 6, "minute": 9, "second": 56}
